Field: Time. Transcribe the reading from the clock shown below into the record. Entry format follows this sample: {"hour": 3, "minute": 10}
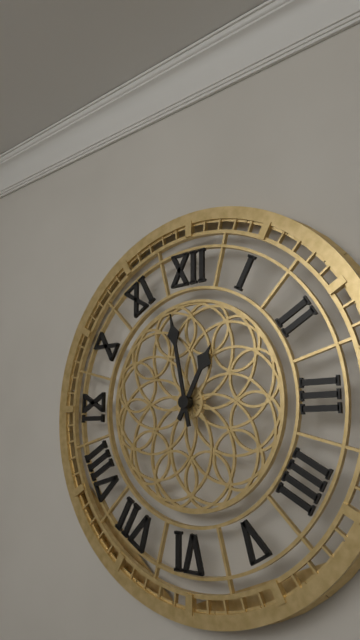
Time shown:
{"hour": 12, "minute": 58}
